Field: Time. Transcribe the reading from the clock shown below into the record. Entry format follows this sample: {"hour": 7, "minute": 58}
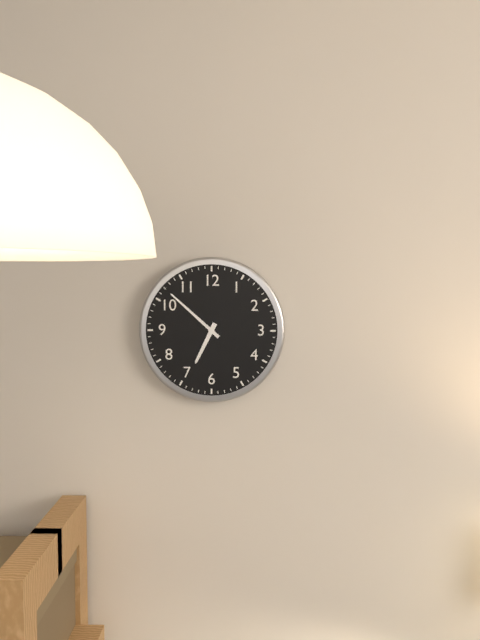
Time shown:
{"hour": 6, "minute": 52}
